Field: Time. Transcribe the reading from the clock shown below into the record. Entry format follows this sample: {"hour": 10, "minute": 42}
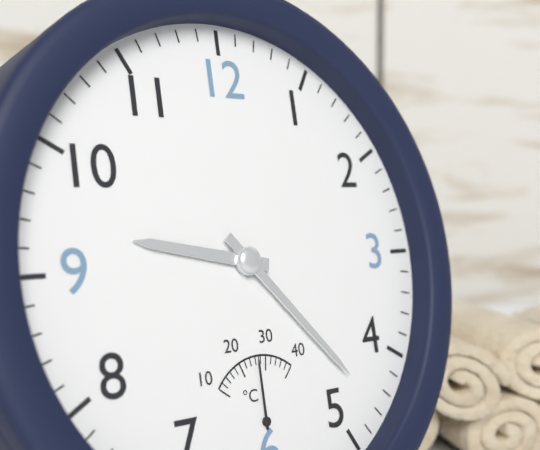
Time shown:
{"hour": 9, "minute": 23}
